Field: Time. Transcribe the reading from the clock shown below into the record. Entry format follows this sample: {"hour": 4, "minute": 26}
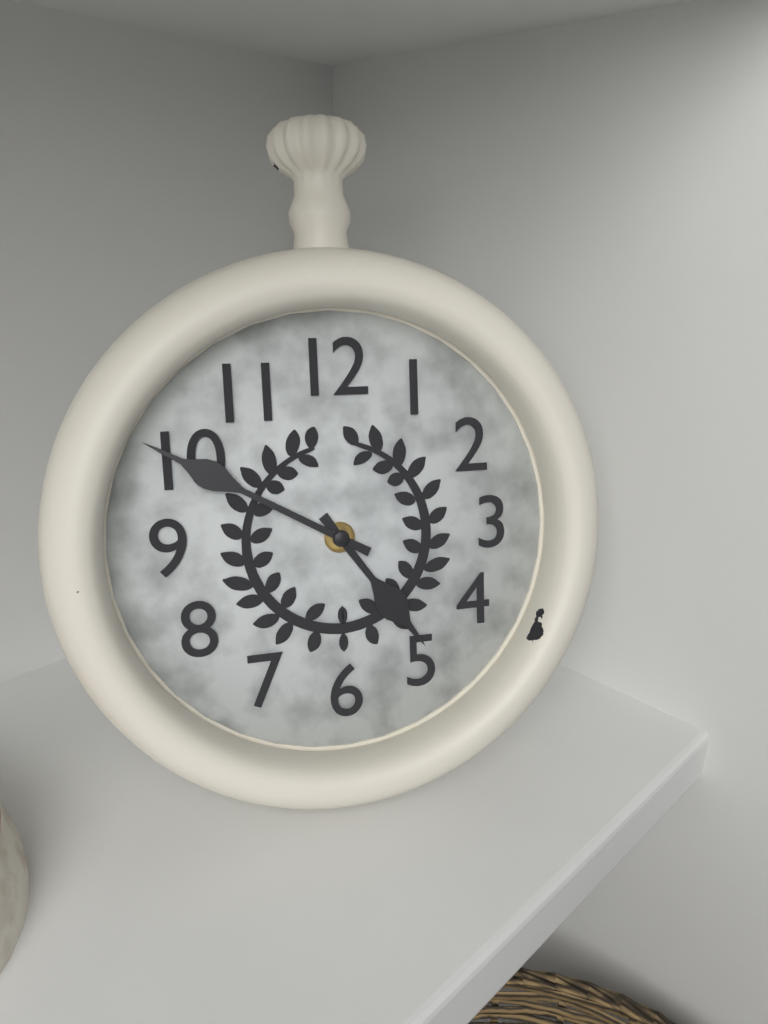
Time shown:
{"hour": 4, "minute": 50}
